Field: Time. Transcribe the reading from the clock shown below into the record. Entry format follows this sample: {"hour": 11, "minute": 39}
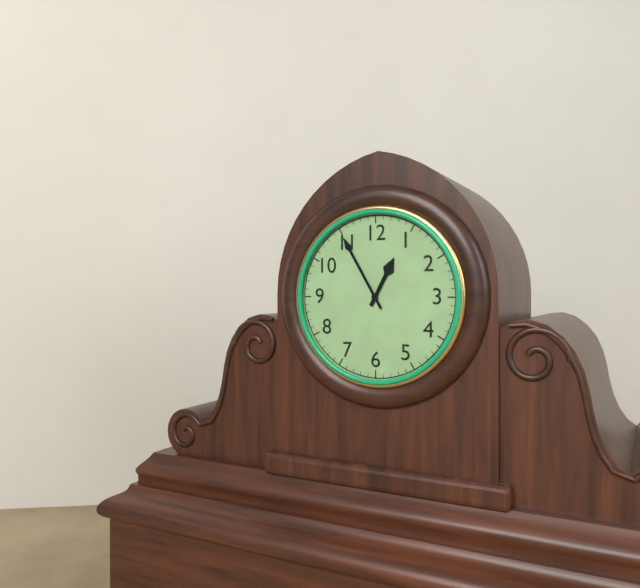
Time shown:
{"hour": 12, "minute": 55}
